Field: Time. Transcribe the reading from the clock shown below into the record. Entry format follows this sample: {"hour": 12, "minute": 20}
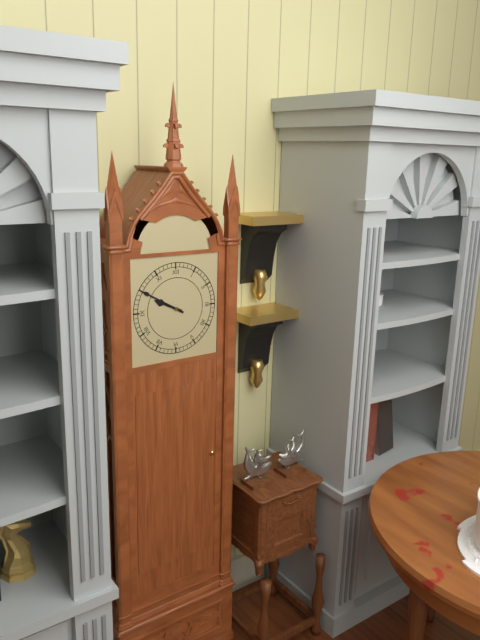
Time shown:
{"hour": 9, "minute": 50}
